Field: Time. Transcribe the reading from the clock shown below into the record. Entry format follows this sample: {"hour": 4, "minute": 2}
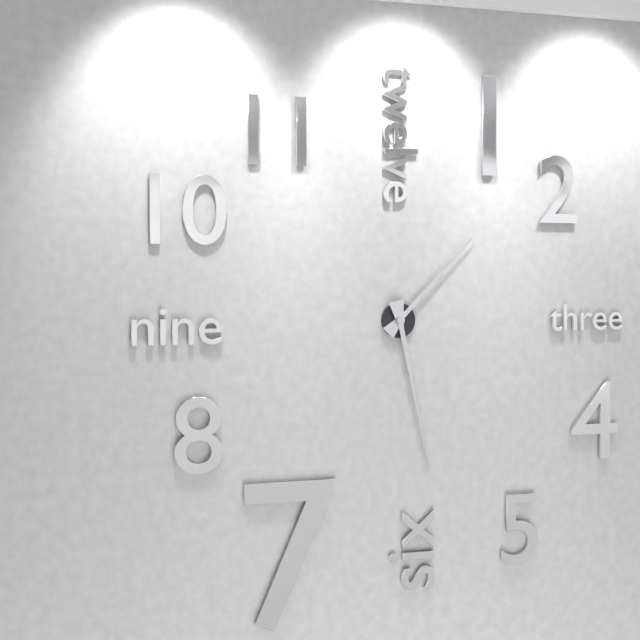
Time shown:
{"hour": 1, "minute": 28}
